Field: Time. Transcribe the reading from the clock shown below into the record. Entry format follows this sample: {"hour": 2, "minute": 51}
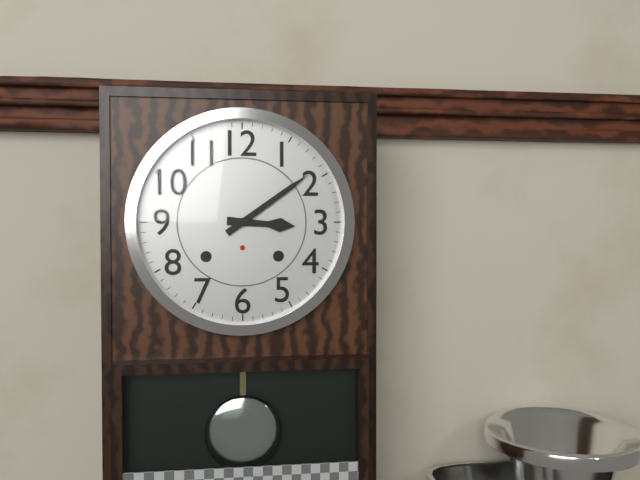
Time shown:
{"hour": 3, "minute": 9}
